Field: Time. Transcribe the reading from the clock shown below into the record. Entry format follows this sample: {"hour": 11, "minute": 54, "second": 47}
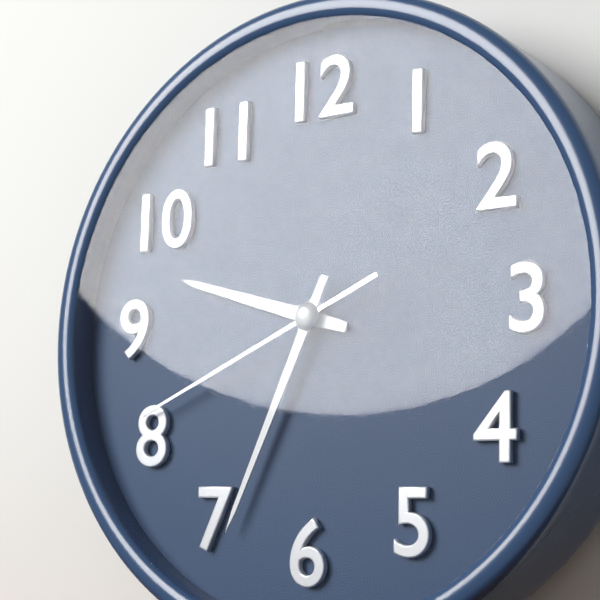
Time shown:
{"hour": 9, "minute": 34, "second": 41}
